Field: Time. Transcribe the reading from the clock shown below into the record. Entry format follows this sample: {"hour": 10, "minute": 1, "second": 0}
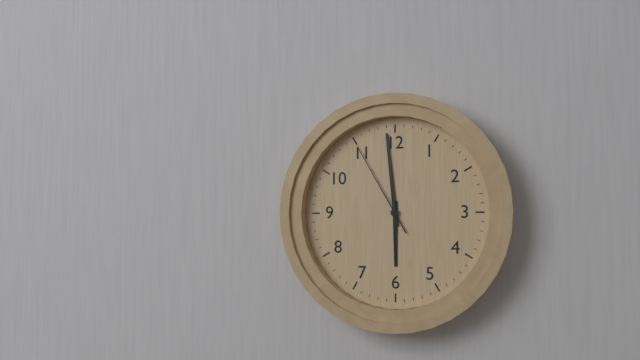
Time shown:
{"hour": 5, "minute": 59, "second": 55}
